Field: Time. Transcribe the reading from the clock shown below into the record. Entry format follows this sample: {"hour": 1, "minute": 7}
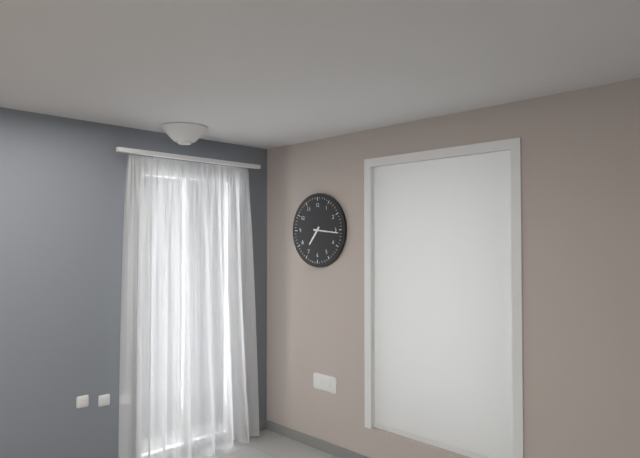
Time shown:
{"hour": 7, "minute": 16}
